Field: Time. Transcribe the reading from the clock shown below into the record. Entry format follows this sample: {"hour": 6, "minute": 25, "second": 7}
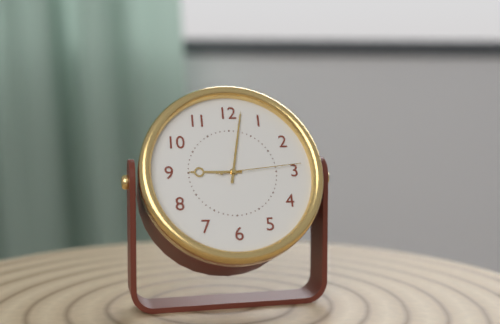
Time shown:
{"hour": 9, "minute": 2, "second": 14}
